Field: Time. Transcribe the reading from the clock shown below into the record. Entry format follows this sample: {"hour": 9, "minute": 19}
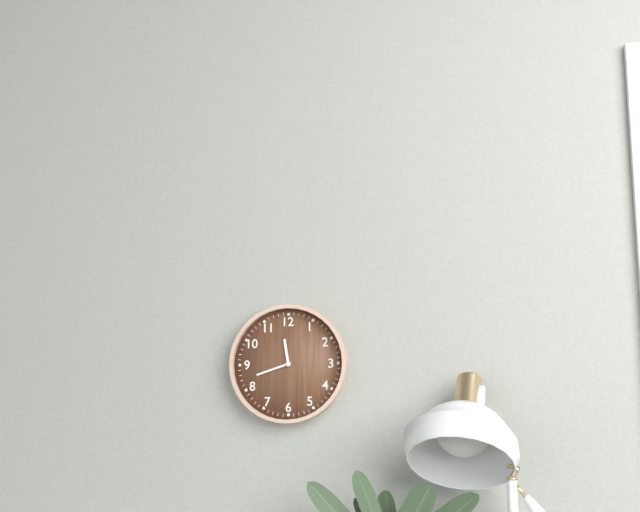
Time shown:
{"hour": 11, "minute": 42}
